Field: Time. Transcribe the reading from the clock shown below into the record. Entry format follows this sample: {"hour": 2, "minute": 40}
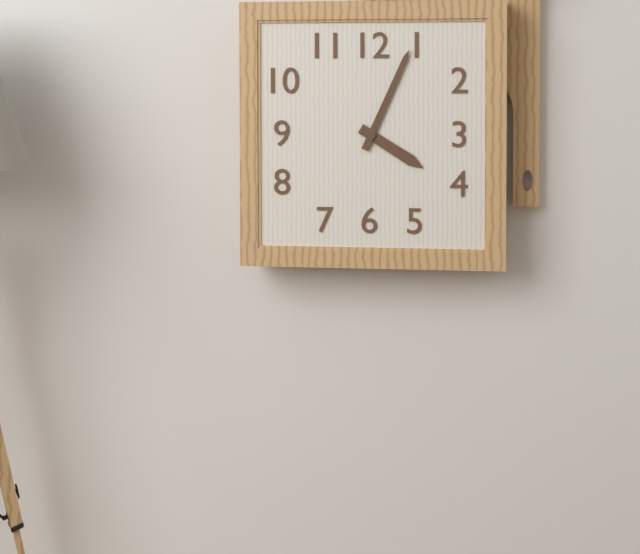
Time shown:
{"hour": 4, "minute": 4}
